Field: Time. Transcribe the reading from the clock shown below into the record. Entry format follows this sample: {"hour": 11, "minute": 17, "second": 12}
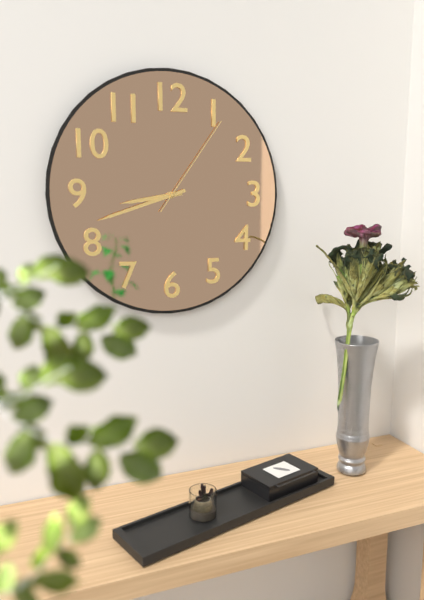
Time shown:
{"hour": 8, "minute": 42, "second": 6}
